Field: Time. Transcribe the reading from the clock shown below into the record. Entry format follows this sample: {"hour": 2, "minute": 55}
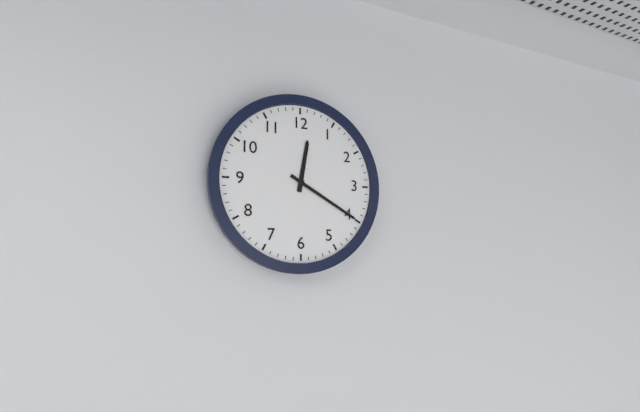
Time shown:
{"hour": 12, "minute": 20}
